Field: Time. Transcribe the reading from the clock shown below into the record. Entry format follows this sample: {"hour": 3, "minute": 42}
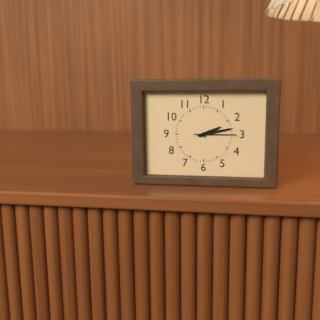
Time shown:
{"hour": 2, "minute": 13}
